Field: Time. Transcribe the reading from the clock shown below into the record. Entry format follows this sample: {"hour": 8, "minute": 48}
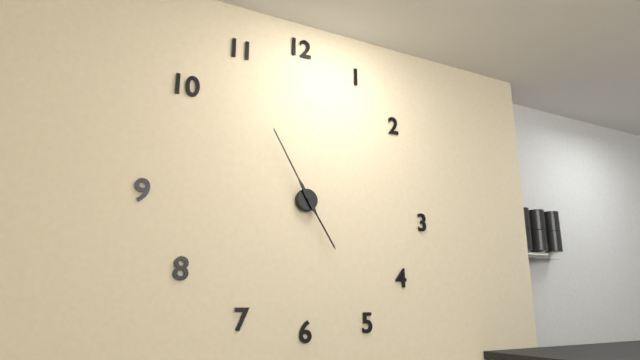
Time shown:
{"hour": 4, "minute": 55}
